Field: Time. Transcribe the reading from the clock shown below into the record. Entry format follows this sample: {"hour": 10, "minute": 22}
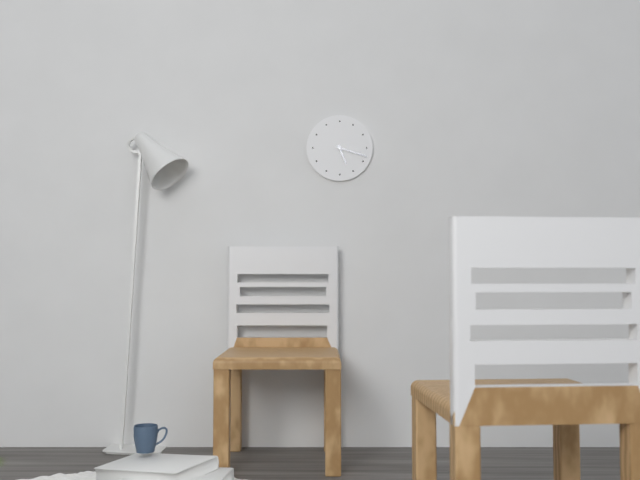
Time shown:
{"hour": 5, "minute": 18}
